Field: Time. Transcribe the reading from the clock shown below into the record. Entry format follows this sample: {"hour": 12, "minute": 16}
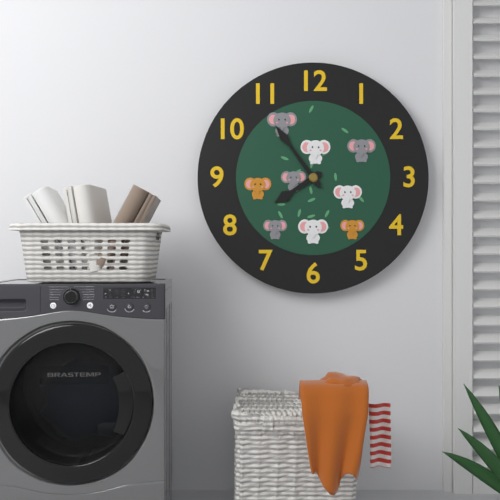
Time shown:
{"hour": 7, "minute": 54}
